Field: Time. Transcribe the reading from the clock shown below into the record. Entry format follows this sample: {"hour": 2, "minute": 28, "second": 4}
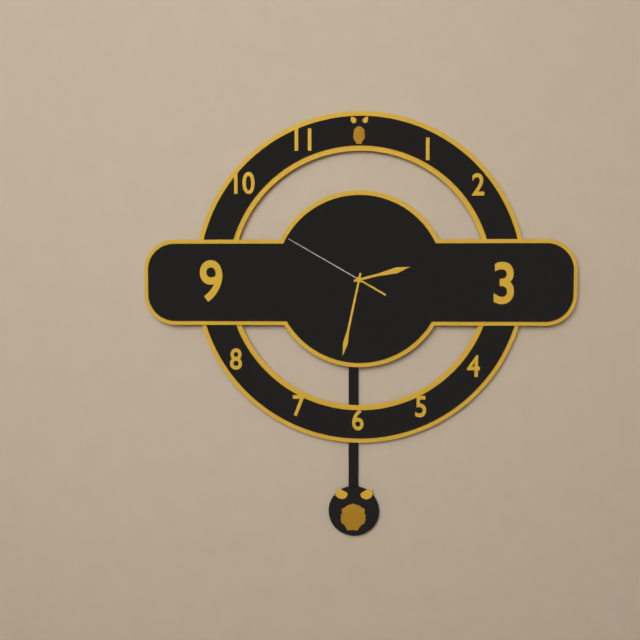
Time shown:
{"hour": 2, "minute": 32, "second": 50}
